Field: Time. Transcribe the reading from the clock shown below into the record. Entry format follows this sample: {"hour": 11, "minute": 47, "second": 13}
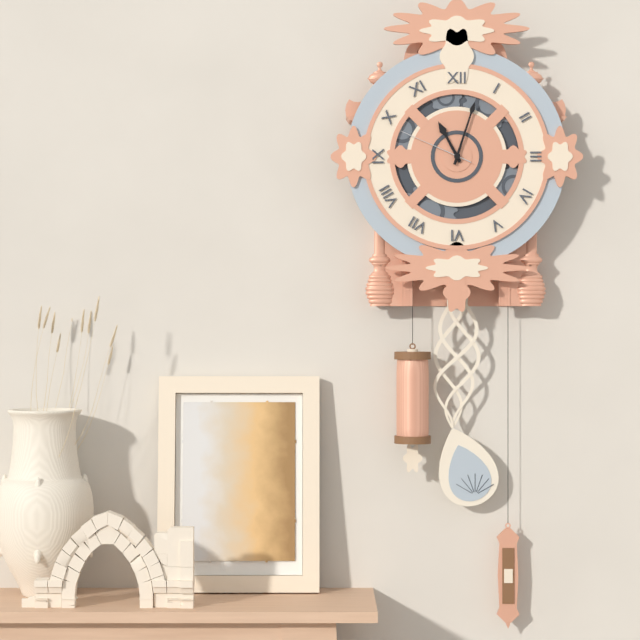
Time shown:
{"hour": 11, "minute": 3, "second": 49}
